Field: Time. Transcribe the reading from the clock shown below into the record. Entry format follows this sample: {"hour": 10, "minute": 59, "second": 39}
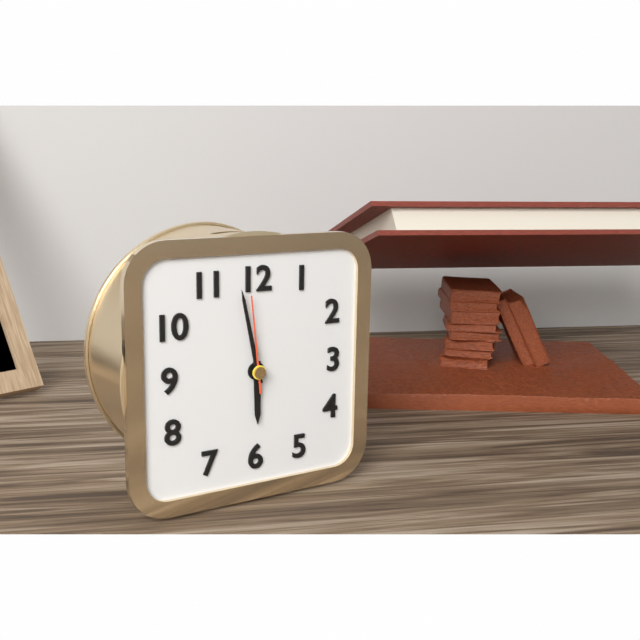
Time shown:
{"hour": 5, "minute": 58, "second": 59}
